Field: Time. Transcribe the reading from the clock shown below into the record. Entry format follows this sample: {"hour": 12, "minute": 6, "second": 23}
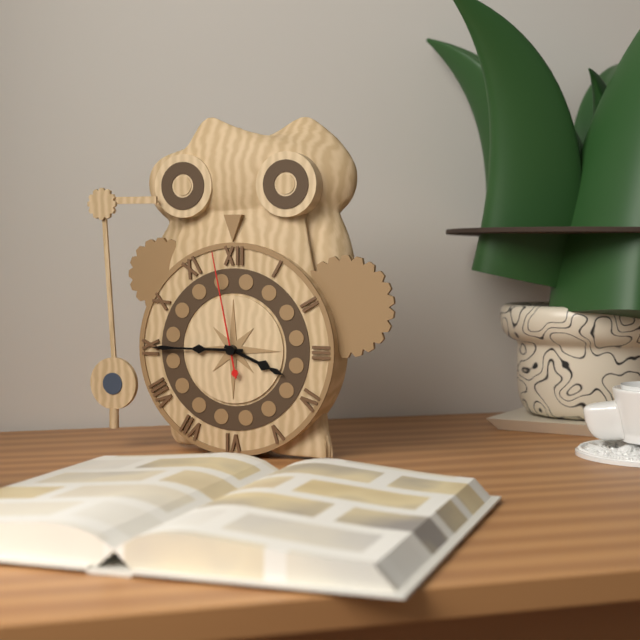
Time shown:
{"hour": 3, "minute": 45, "second": 58}
